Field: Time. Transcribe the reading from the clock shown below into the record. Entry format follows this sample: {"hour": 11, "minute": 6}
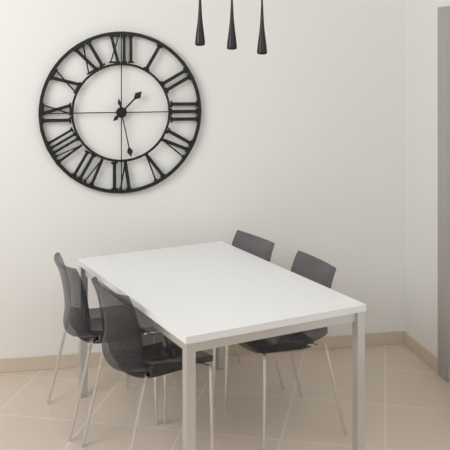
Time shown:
{"hour": 1, "minute": 28}
